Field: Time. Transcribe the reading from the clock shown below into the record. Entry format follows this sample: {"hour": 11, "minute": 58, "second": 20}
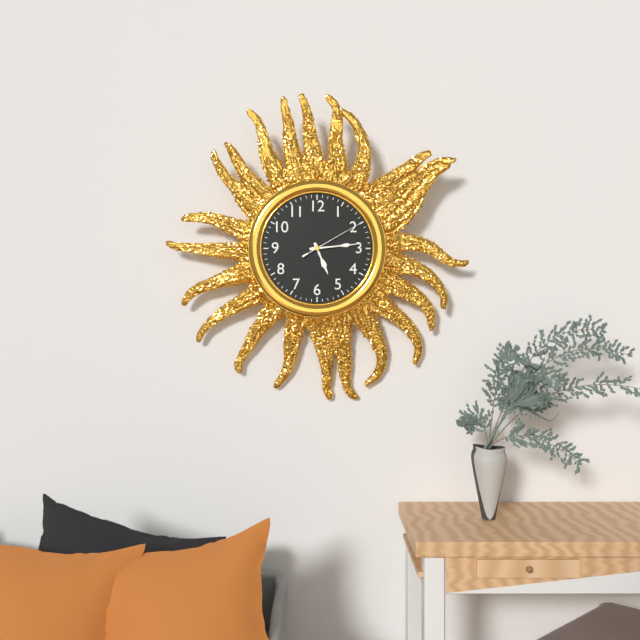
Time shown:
{"hour": 5, "minute": 14, "second": 10}
